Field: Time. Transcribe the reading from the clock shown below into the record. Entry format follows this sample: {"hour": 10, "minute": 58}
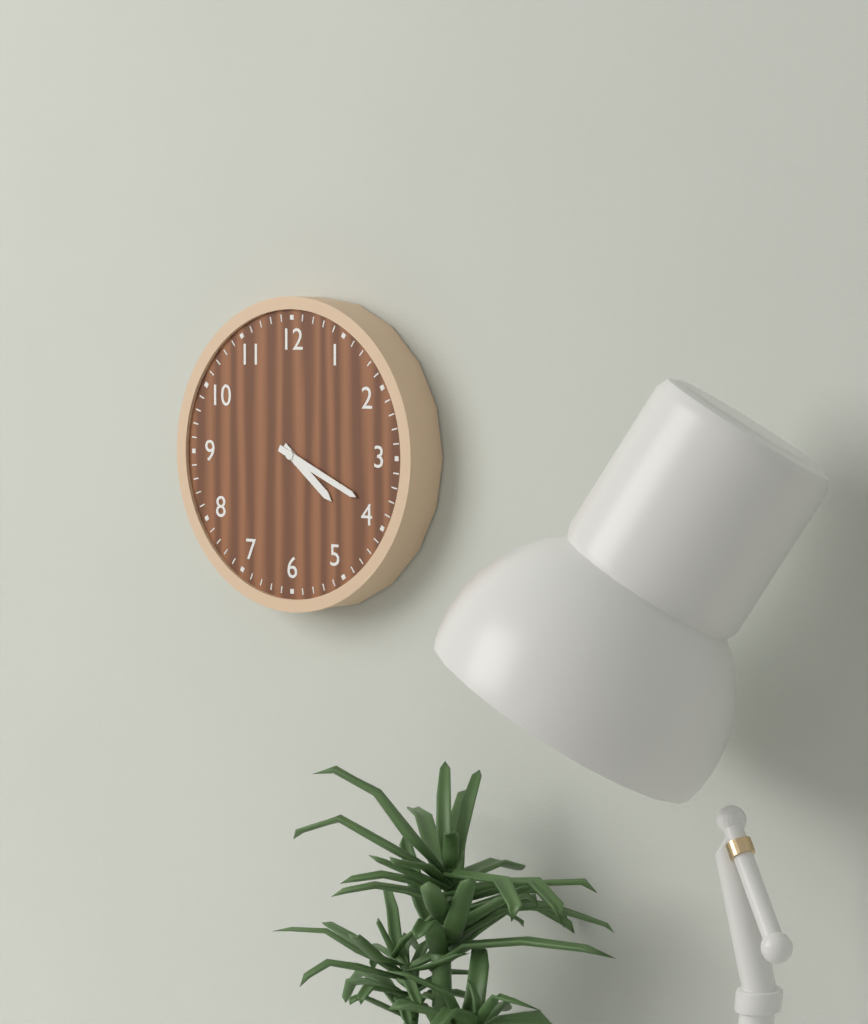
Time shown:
{"hour": 4, "minute": 19}
